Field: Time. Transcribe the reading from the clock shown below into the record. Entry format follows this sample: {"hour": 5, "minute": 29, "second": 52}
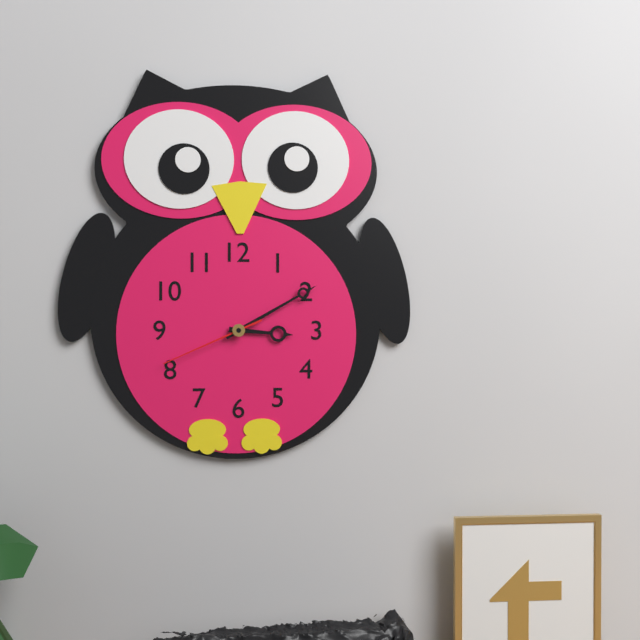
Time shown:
{"hour": 3, "minute": 10, "second": 41}
